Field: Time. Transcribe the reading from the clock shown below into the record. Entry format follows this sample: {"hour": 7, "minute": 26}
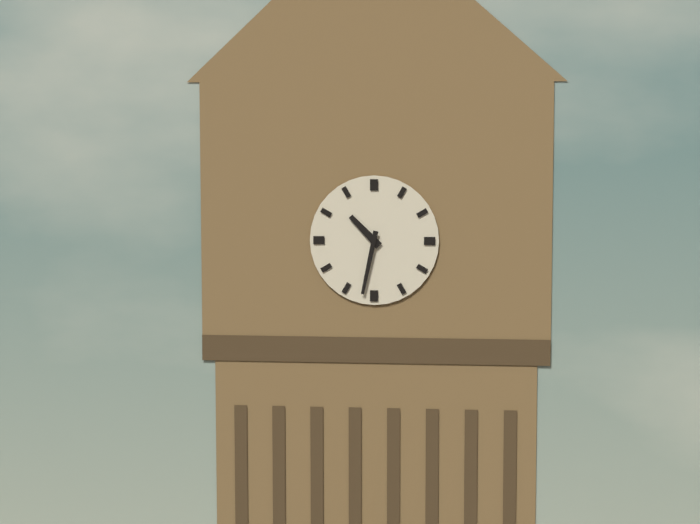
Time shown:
{"hour": 10, "minute": 32}
